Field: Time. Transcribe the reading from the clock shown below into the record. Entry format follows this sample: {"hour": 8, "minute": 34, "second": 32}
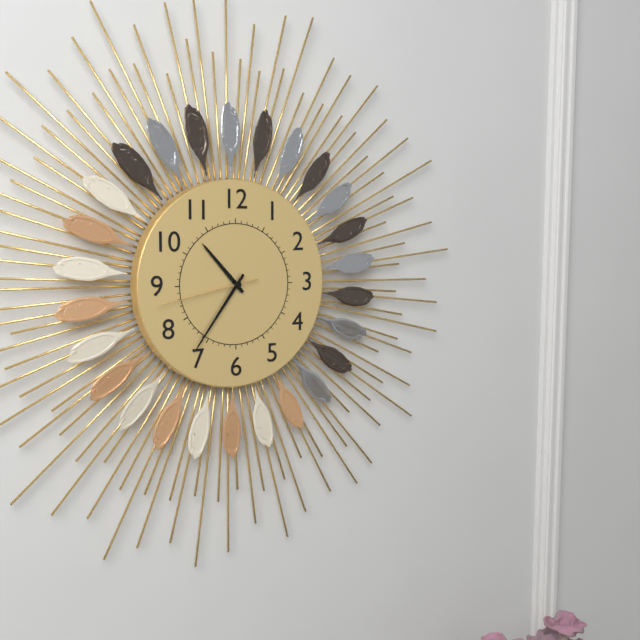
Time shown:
{"hour": 10, "minute": 36, "second": 43}
